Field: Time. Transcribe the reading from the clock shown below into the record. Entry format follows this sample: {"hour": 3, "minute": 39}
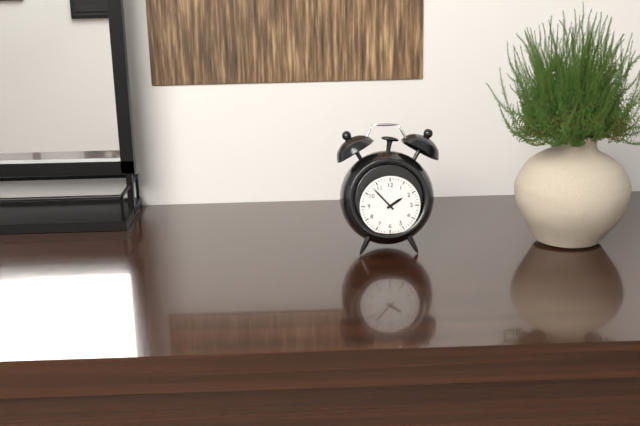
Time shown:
{"hour": 1, "minute": 53}
